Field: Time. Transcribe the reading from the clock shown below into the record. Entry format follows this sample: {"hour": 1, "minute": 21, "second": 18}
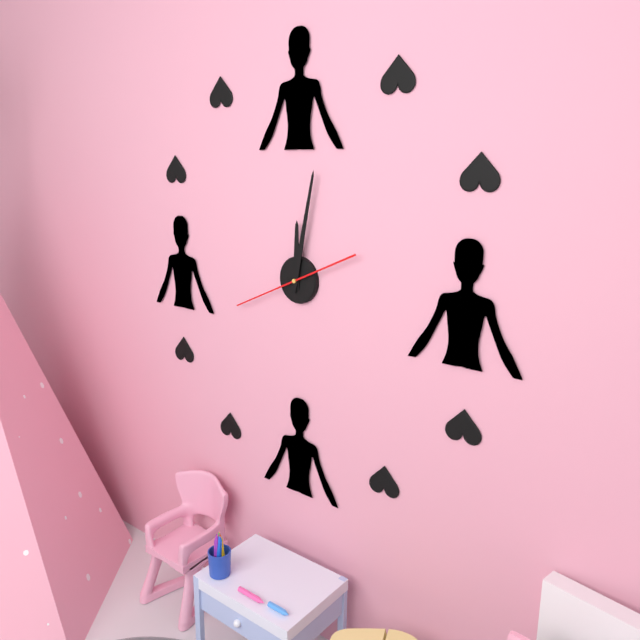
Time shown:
{"hour": 12, "minute": 2, "second": 41}
